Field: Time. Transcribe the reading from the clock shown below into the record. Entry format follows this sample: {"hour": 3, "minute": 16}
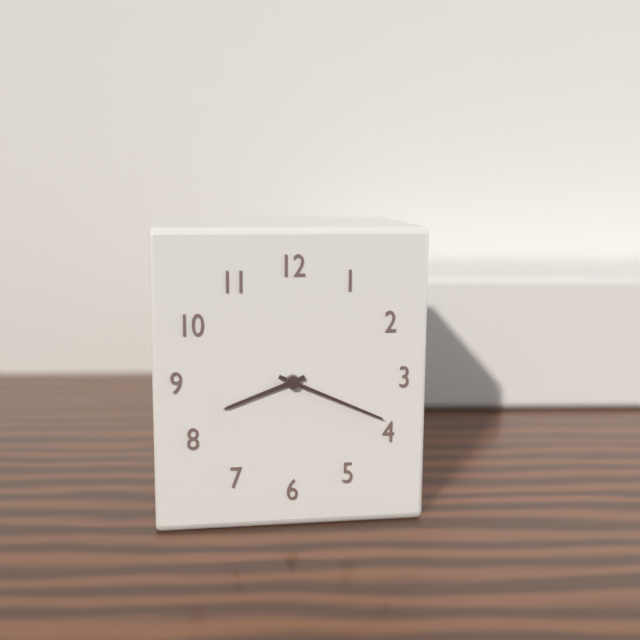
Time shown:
{"hour": 8, "minute": 19}
